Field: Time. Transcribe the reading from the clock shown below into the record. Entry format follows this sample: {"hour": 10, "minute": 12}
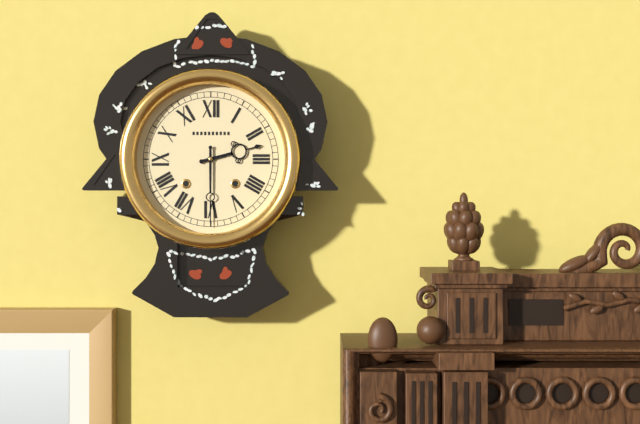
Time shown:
{"hour": 2, "minute": 30}
